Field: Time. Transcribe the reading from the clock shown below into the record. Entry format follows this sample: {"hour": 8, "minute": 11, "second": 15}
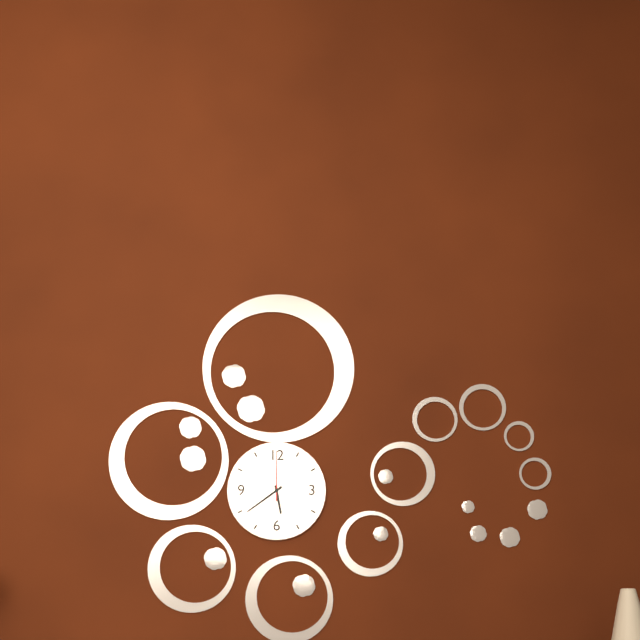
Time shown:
{"hour": 5, "minute": 39, "second": 0}
